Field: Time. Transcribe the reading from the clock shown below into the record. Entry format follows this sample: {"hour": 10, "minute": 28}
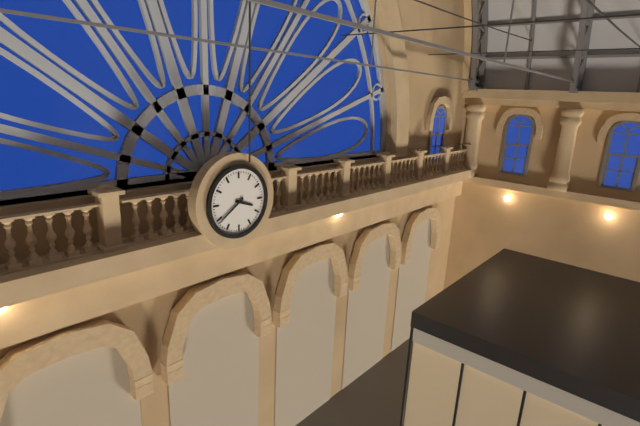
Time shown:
{"hour": 3, "minute": 39}
